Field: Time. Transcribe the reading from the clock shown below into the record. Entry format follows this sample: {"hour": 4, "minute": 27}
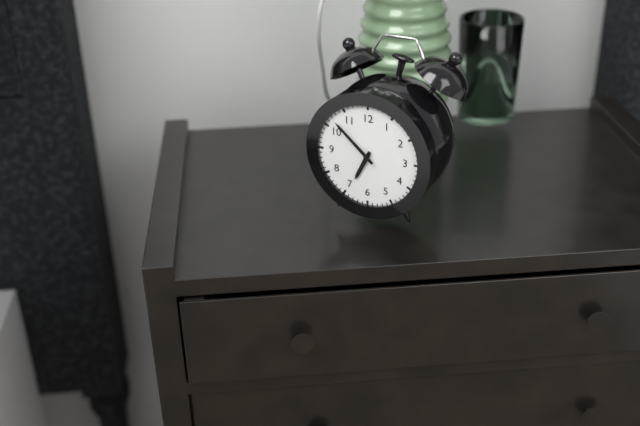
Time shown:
{"hour": 6, "minute": 52}
